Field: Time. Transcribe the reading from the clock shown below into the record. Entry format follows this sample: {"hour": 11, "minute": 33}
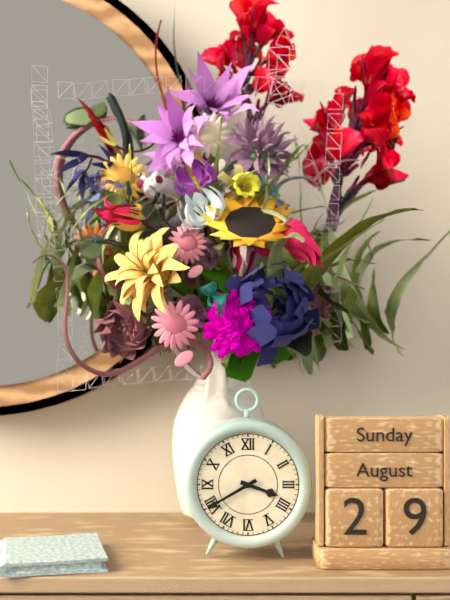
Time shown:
{"hour": 3, "minute": 40}
